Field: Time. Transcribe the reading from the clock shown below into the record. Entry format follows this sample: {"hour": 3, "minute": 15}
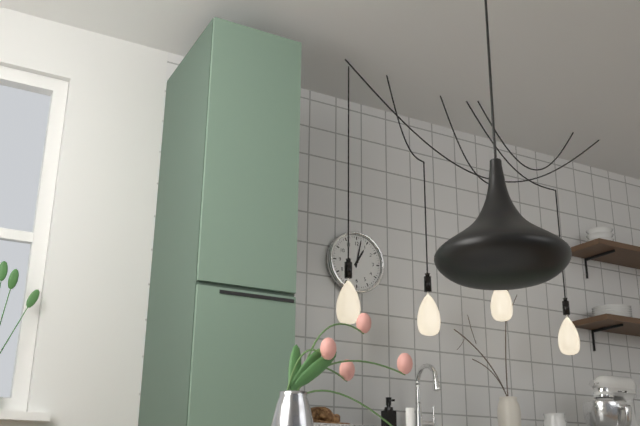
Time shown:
{"hour": 1, "minute": 2}
